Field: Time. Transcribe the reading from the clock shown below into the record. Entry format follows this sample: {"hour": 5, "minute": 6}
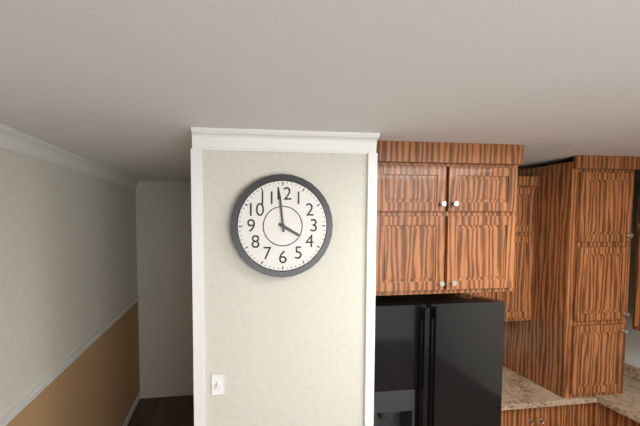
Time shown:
{"hour": 3, "minute": 59}
